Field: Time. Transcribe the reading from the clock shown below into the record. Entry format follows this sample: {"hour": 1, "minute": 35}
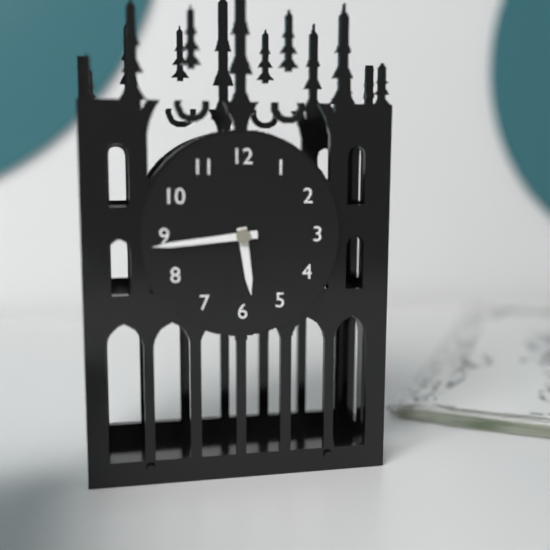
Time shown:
{"hour": 5, "minute": 44}
